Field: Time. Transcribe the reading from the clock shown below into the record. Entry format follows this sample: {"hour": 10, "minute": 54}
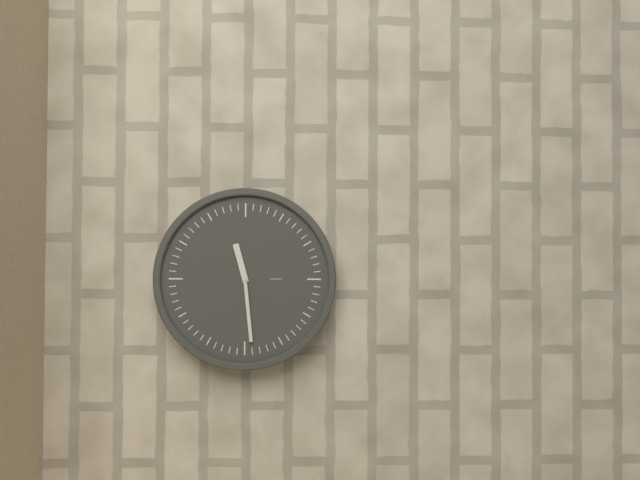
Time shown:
{"hour": 11, "minute": 29}
